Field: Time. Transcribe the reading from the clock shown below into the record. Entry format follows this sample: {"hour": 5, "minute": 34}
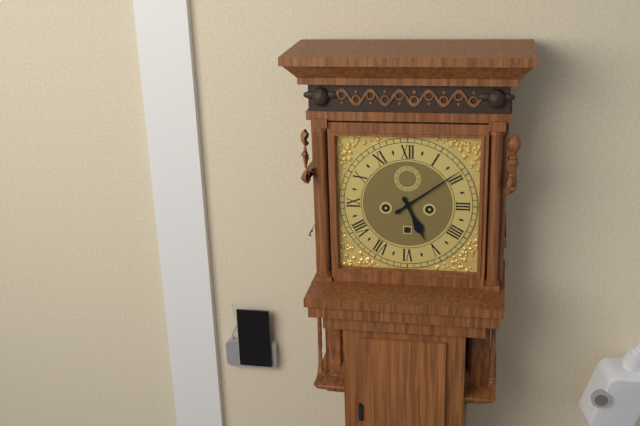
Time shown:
{"hour": 5, "minute": 9}
